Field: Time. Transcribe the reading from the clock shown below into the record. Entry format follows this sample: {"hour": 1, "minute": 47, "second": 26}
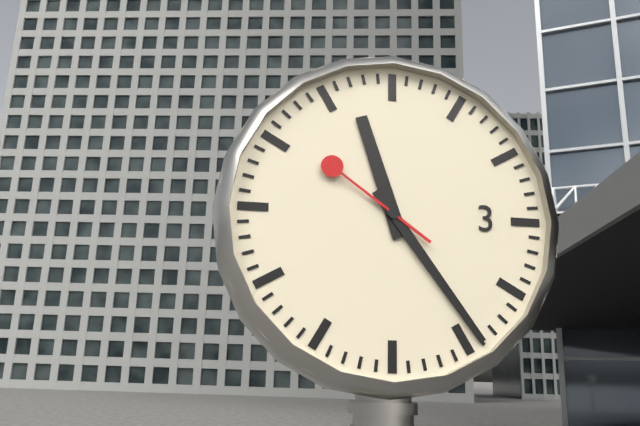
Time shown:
{"hour": 11, "minute": 24, "second": 51}
